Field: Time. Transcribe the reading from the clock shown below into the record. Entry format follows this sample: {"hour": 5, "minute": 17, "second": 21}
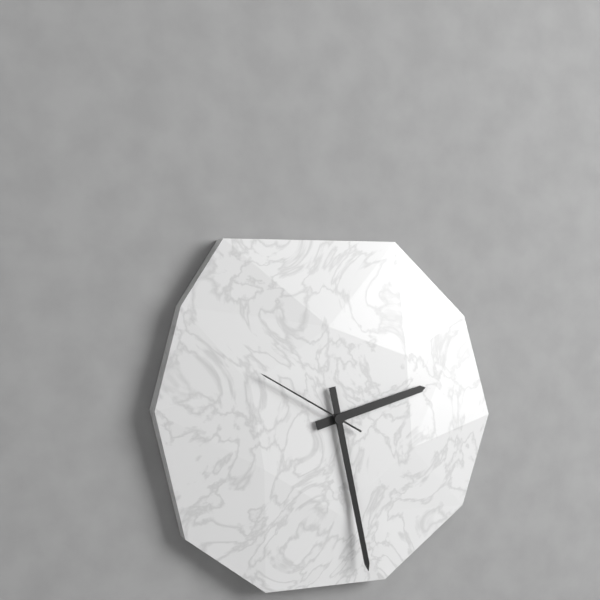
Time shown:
{"hour": 2, "minute": 28, "second": 50}
